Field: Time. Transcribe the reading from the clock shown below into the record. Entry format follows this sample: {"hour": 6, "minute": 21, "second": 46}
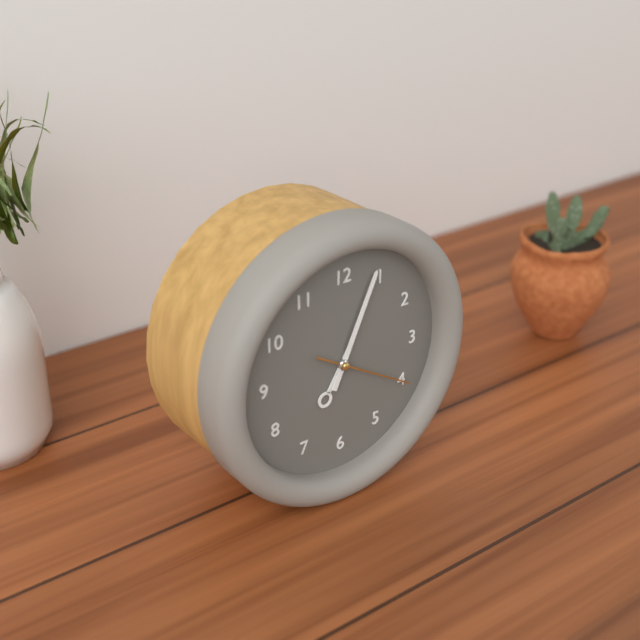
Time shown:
{"hour": 7, "minute": 4, "second": 20}
